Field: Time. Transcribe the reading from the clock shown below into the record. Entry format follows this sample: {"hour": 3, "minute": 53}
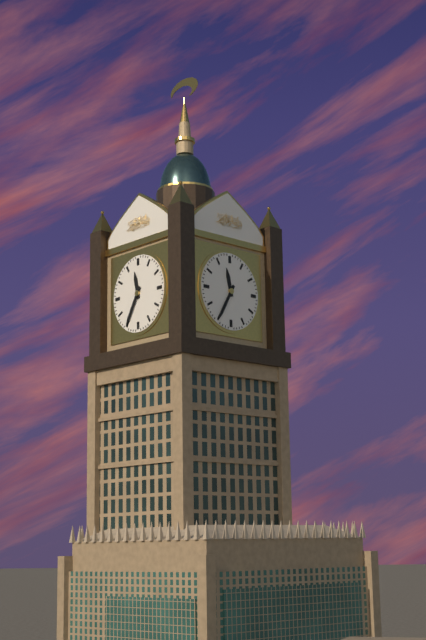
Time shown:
{"hour": 11, "minute": 35}
